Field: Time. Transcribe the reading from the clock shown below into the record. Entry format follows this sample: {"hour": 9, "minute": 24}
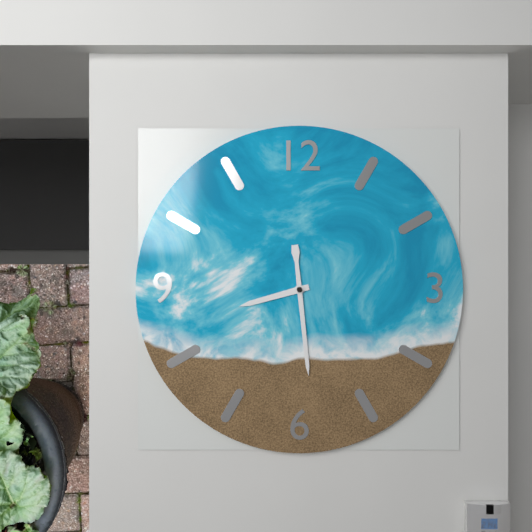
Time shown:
{"hour": 8, "minute": 29}
